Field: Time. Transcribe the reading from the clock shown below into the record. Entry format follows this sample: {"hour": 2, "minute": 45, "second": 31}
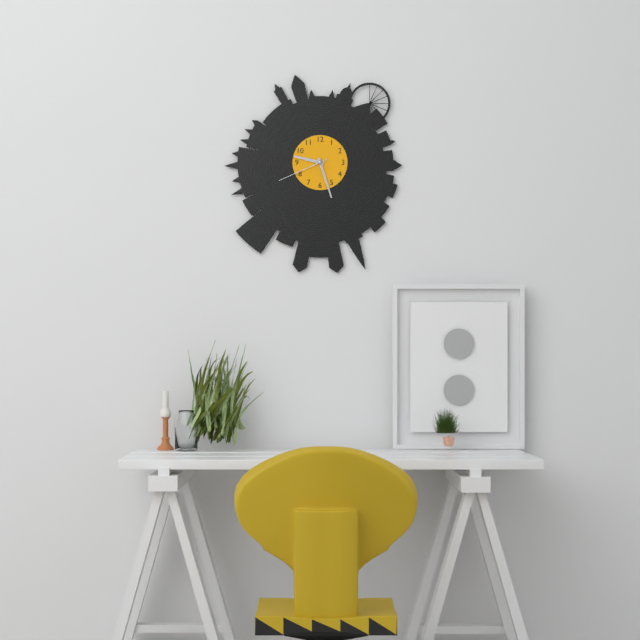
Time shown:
{"hour": 9, "minute": 27, "second": 41}
